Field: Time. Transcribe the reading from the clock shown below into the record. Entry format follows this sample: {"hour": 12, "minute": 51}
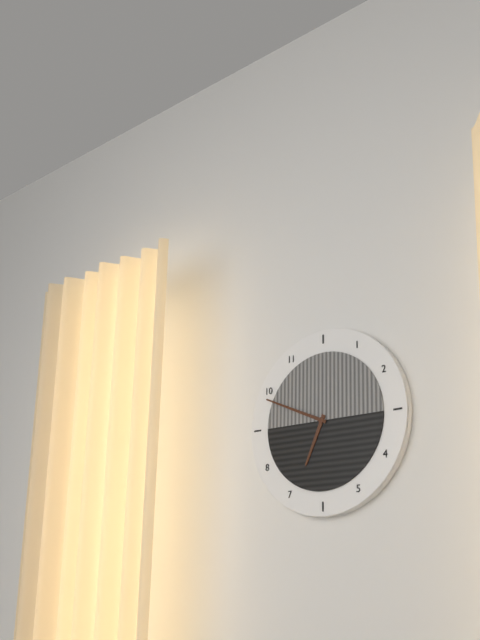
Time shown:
{"hour": 6, "minute": 49}
